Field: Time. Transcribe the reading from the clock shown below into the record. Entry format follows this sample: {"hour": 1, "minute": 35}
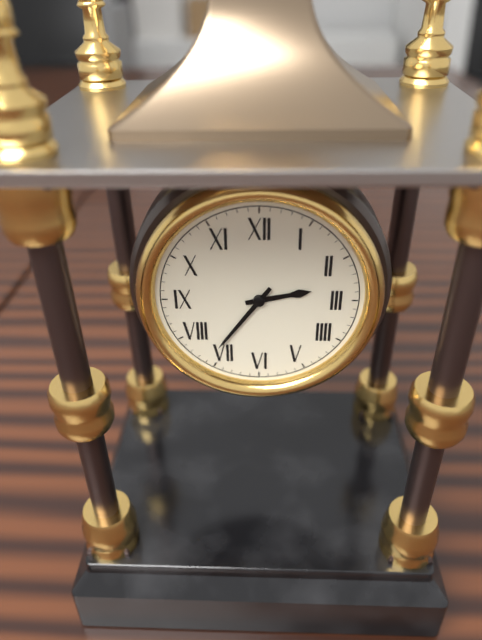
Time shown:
{"hour": 2, "minute": 36}
